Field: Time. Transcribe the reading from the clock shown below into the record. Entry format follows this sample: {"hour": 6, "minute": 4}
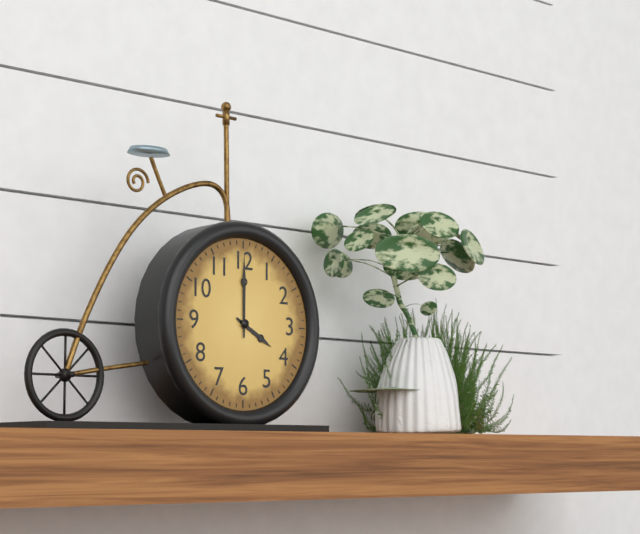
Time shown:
{"hour": 4, "minute": 0}
